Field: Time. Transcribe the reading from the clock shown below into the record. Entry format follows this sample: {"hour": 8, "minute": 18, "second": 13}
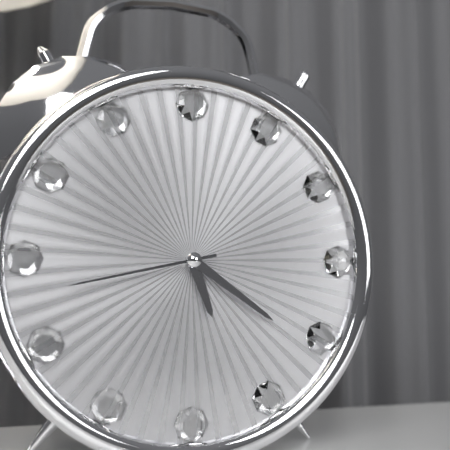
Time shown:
{"hour": 5, "minute": 21, "second": 43}
